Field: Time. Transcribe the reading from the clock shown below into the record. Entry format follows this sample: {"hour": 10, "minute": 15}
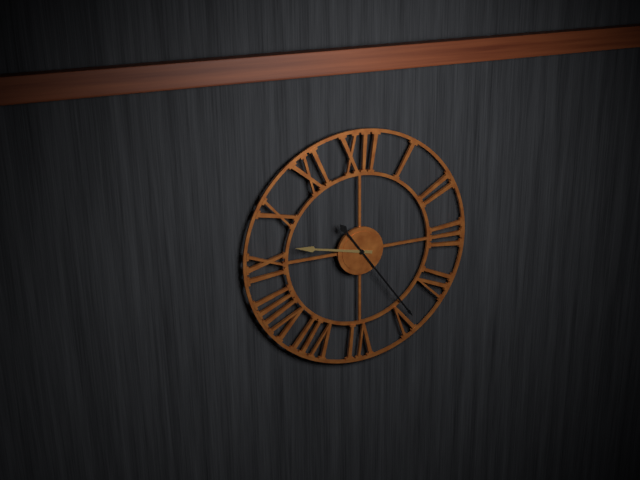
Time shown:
{"hour": 9, "minute": 24}
